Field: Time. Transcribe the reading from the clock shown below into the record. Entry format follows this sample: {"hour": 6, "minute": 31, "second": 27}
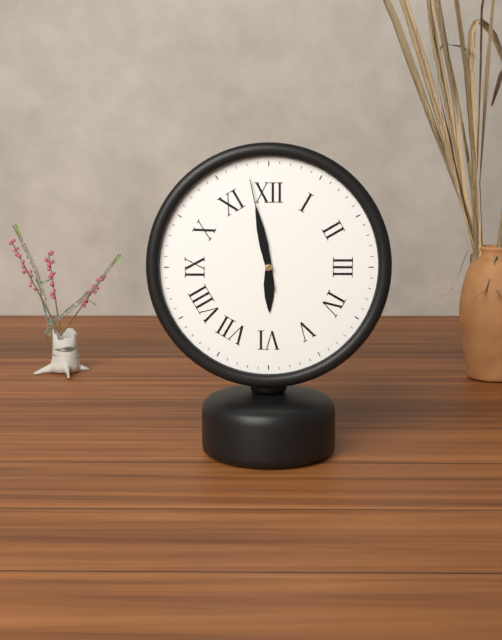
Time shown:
{"hour": 5, "minute": 58, "second": 58}
